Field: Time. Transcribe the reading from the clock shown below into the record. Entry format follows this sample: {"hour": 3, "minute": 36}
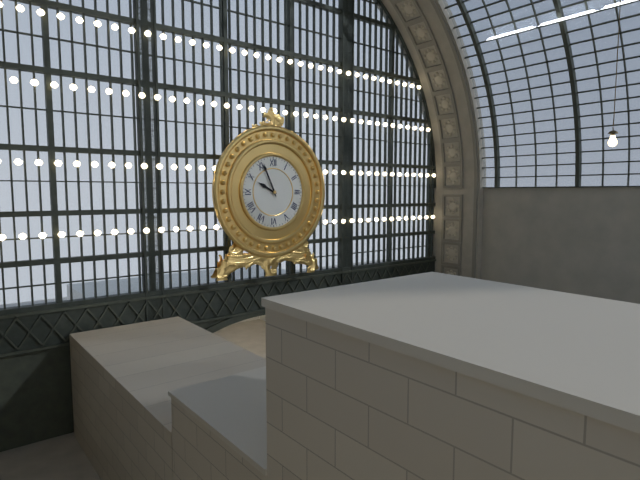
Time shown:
{"hour": 9, "minute": 56}
